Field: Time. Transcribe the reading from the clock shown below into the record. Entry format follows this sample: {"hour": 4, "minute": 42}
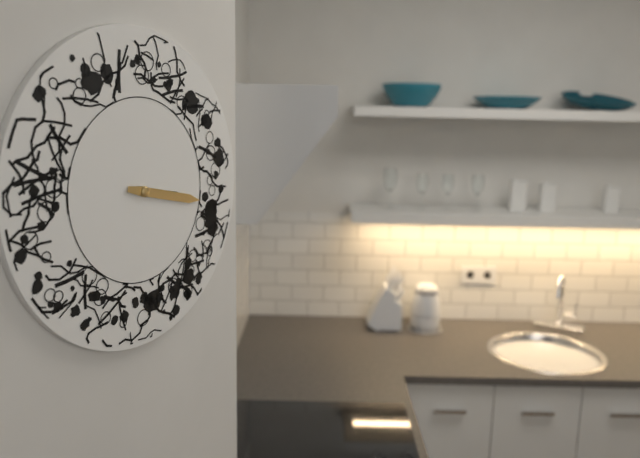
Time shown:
{"hour": 3, "minute": 17}
